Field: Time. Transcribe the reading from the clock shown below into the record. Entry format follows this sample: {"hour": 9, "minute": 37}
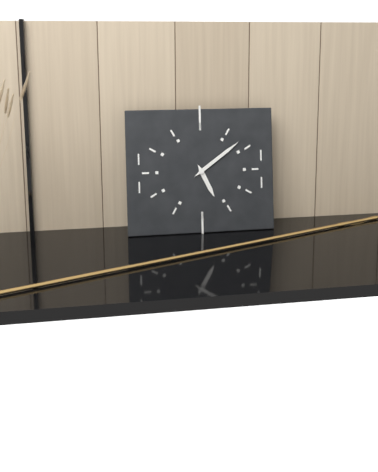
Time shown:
{"hour": 5, "minute": 9}
